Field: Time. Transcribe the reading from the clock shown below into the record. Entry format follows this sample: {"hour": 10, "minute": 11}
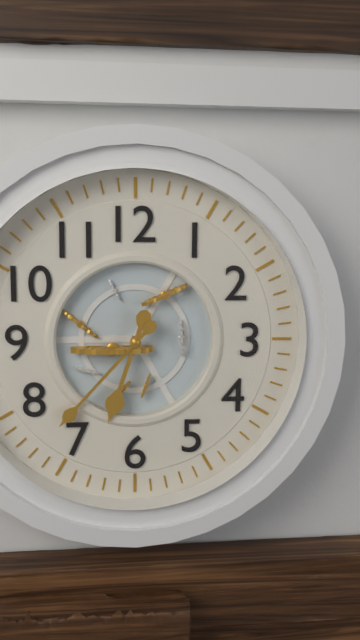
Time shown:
{"hour": 6, "minute": 37}
